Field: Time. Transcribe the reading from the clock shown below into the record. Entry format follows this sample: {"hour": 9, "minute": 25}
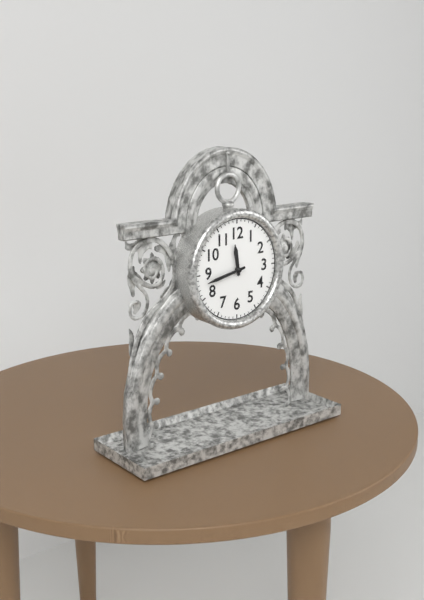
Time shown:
{"hour": 11, "minute": 43}
